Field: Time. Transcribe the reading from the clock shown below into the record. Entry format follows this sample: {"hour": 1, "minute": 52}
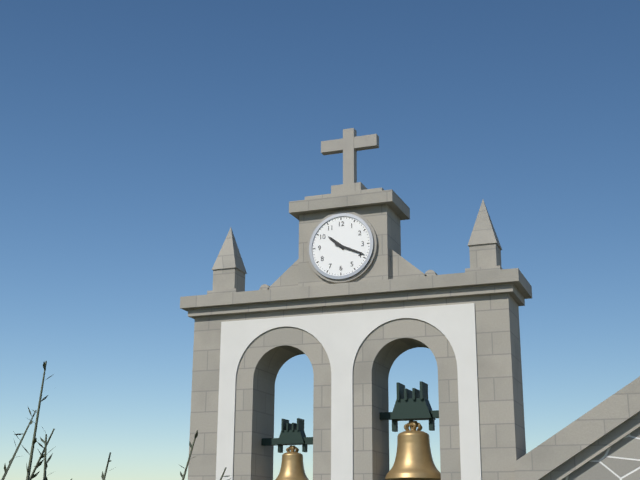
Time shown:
{"hour": 10, "minute": 19}
